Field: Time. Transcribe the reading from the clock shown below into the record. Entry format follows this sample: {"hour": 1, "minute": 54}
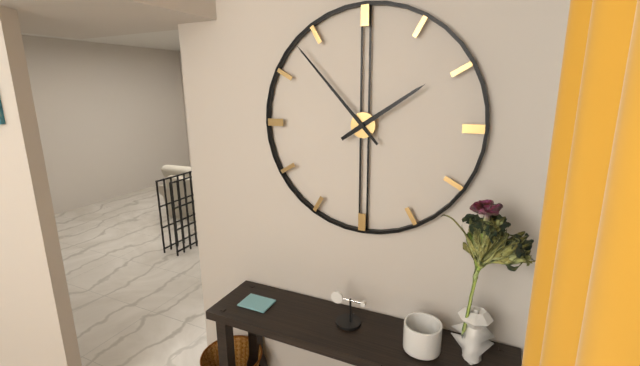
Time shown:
{"hour": 1, "minute": 53}
